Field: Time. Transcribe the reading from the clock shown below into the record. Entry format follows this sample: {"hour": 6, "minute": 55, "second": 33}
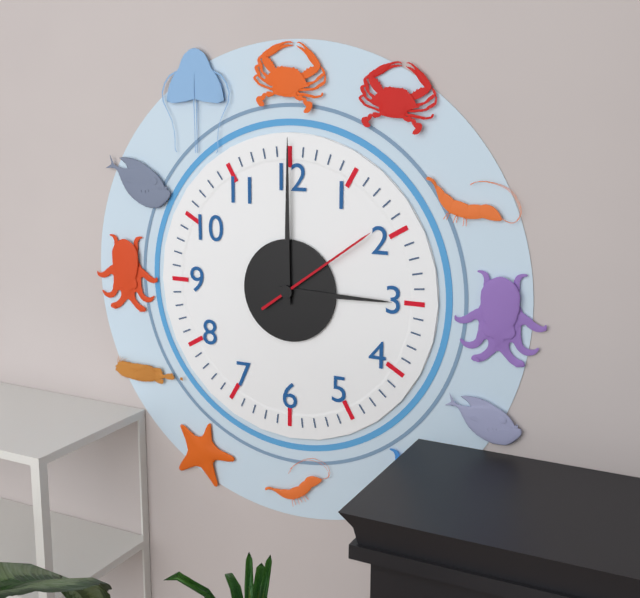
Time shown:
{"hour": 3, "minute": 0, "second": 9}
